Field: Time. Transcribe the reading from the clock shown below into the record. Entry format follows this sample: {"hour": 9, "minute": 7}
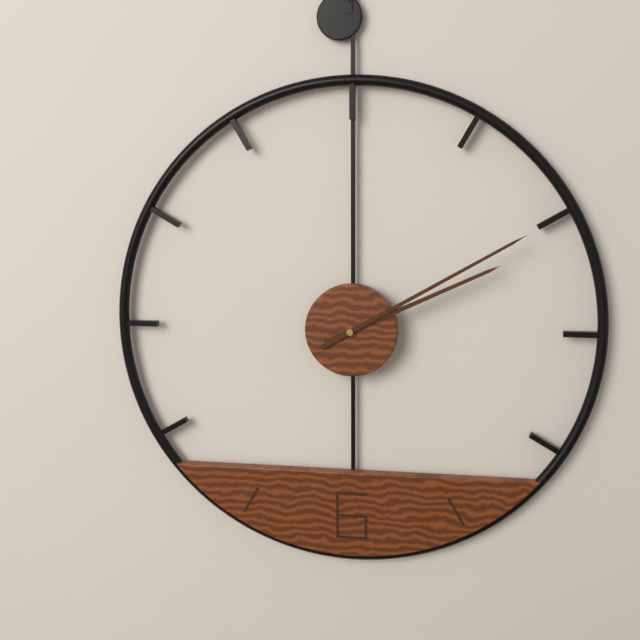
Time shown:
{"hour": 2, "minute": 10}
